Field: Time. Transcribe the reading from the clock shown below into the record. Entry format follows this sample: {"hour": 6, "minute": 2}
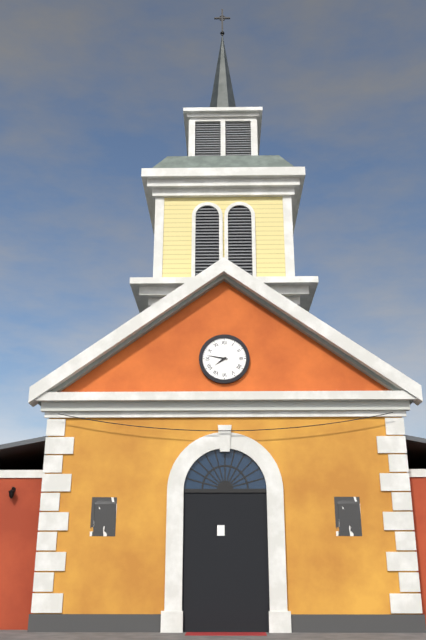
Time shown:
{"hour": 7, "minute": 47}
